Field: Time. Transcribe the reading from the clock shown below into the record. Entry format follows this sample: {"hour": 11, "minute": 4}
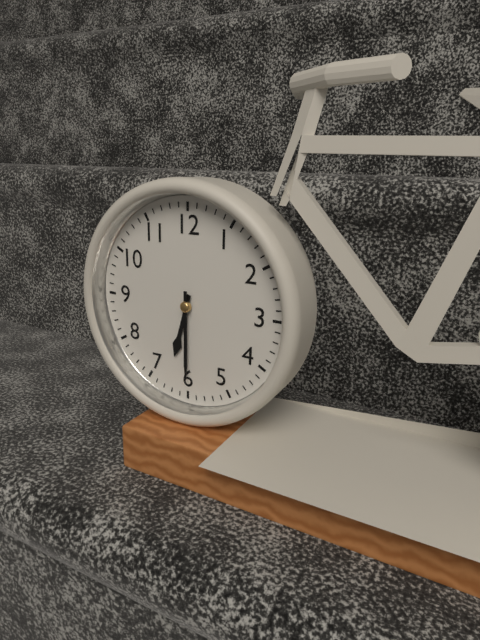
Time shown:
{"hour": 6, "minute": 30}
